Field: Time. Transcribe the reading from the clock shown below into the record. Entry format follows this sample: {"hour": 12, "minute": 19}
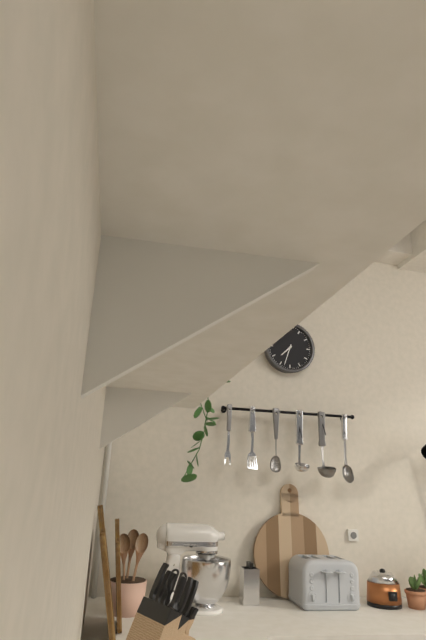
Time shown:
{"hour": 7, "minute": 33}
